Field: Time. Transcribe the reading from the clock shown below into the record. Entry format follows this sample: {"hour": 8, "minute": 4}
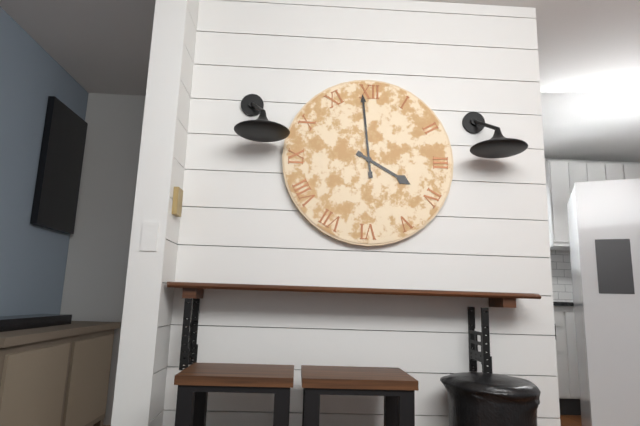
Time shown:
{"hour": 3, "minute": 59}
